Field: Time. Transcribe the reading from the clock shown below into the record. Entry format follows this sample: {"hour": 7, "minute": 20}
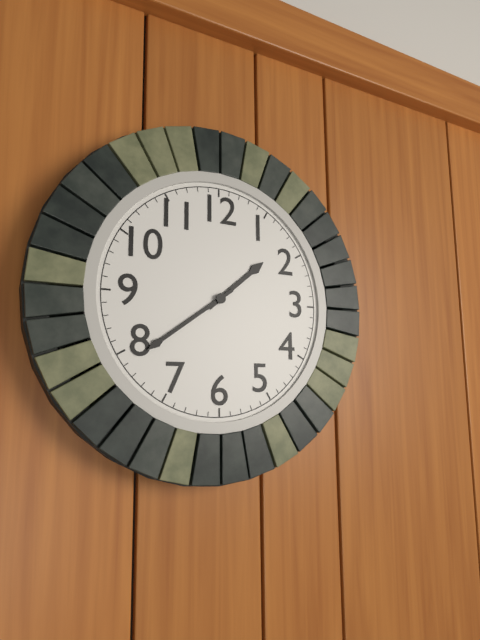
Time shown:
{"hour": 1, "minute": 39}
